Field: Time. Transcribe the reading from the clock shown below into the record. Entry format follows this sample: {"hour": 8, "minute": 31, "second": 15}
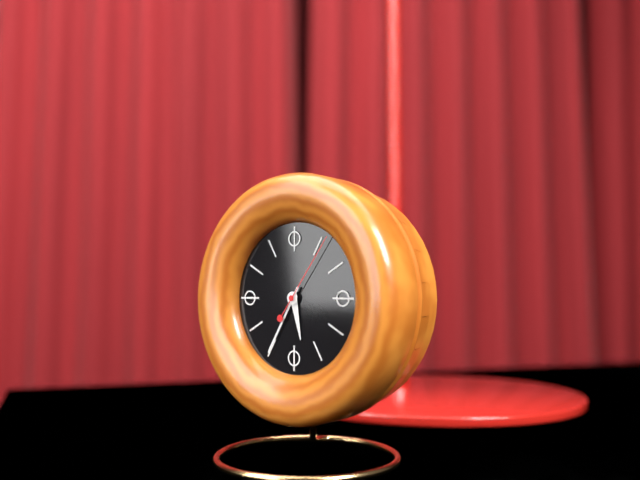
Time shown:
{"hour": 5, "minute": 35, "second": 6}
